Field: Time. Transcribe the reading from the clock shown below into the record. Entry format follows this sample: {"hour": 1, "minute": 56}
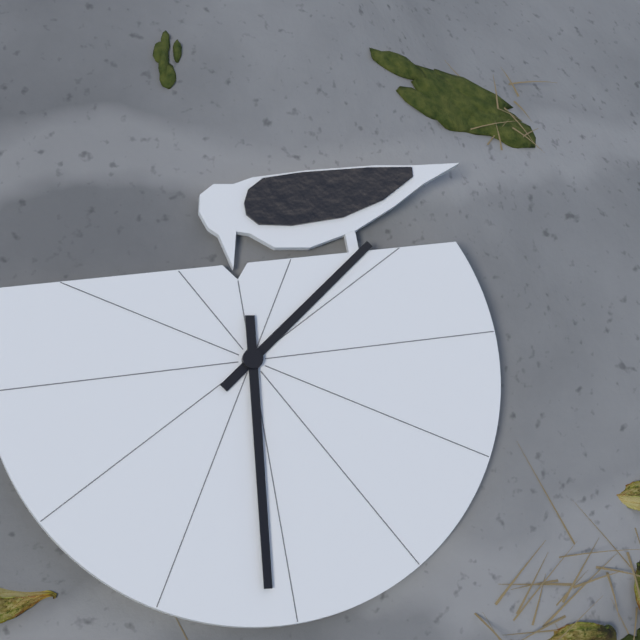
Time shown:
{"hour": 4, "minute": 46}
